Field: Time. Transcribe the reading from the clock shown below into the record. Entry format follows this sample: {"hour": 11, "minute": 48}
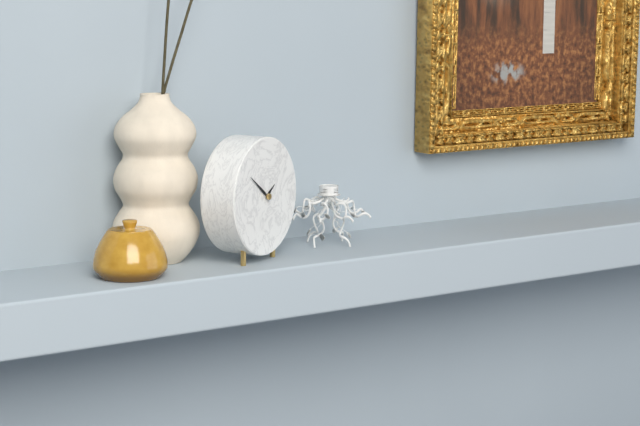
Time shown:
{"hour": 1, "minute": 51}
